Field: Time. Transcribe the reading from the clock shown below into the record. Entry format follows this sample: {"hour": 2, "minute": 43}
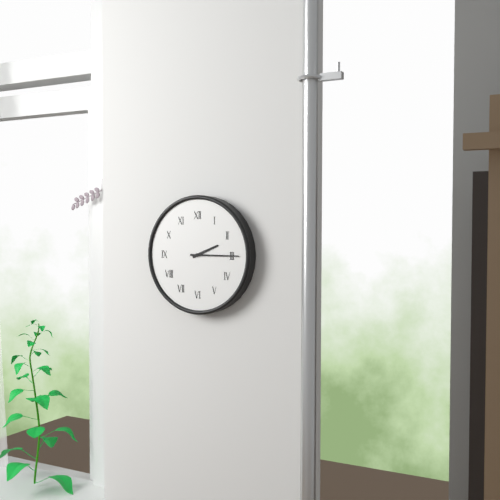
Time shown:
{"hour": 2, "minute": 15}
